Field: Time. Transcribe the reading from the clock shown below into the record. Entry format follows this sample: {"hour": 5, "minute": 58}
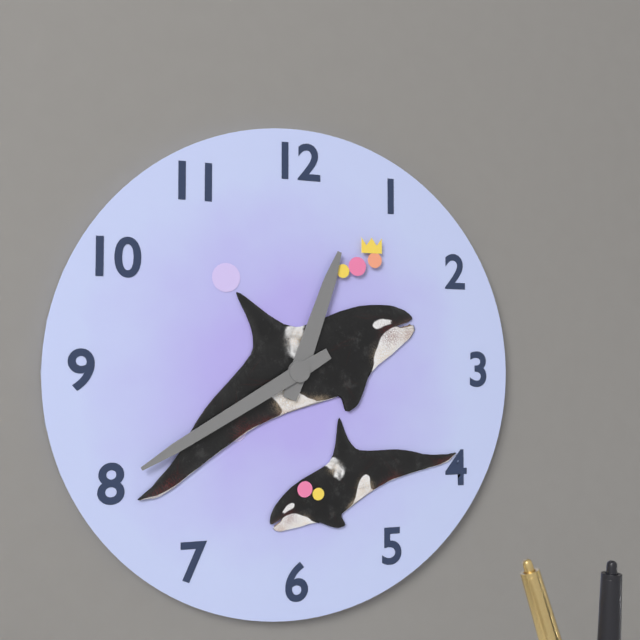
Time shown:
{"hour": 12, "minute": 40}
